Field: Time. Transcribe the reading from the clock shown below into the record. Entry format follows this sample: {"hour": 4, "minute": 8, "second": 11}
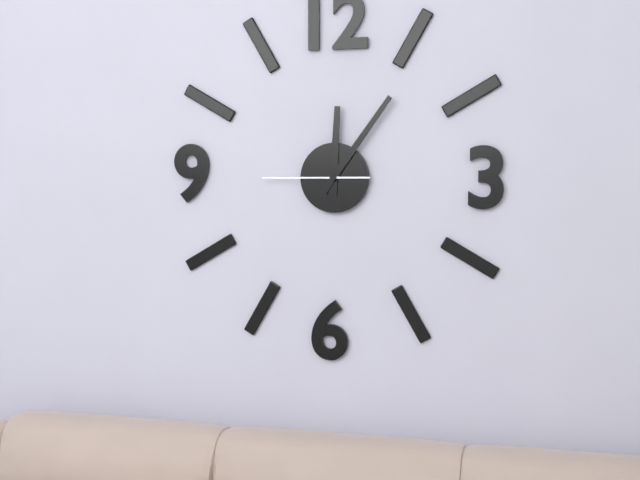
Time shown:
{"hour": 12, "minute": 6, "second": 45}
